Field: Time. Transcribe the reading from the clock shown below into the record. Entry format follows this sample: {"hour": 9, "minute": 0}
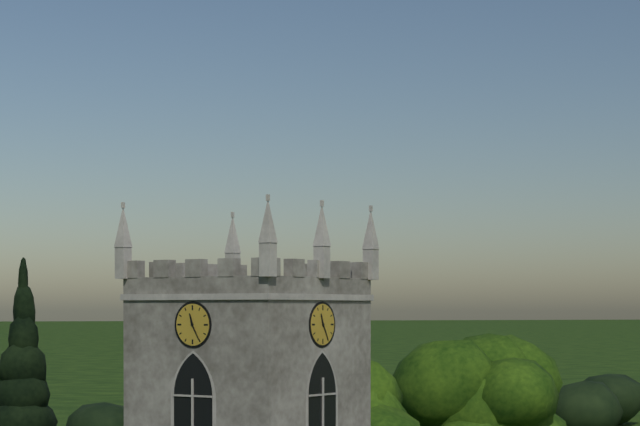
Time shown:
{"hour": 11, "minute": 25}
